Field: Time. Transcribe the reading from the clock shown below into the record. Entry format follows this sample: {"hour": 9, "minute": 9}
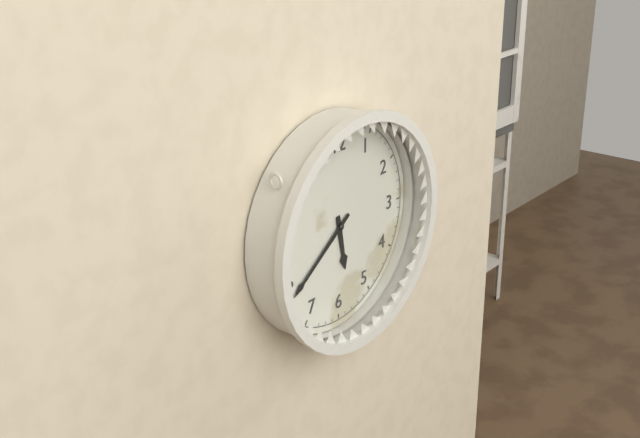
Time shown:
{"hour": 5, "minute": 39}
